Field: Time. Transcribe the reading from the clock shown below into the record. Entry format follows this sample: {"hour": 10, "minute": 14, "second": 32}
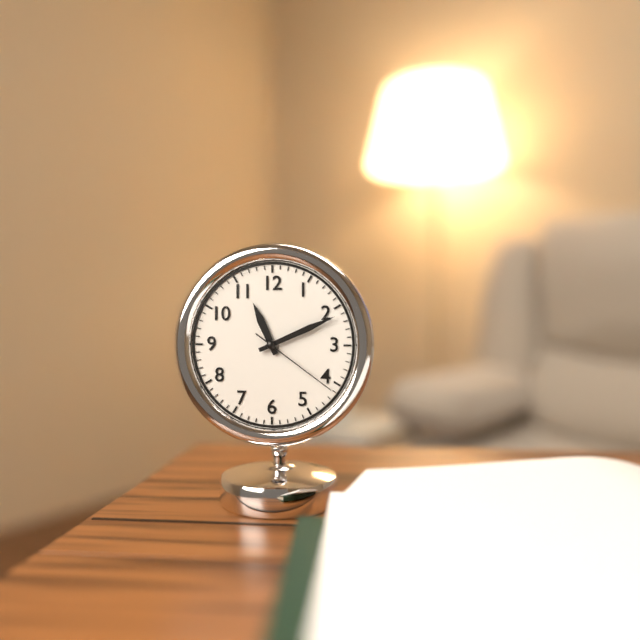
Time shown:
{"hour": 11, "minute": 11, "second": 21}
